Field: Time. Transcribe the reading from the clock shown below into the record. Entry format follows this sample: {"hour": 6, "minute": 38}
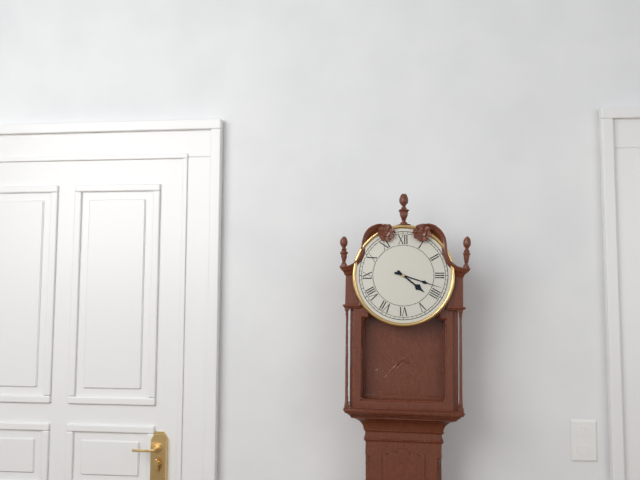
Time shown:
{"hour": 4, "minute": 18}
